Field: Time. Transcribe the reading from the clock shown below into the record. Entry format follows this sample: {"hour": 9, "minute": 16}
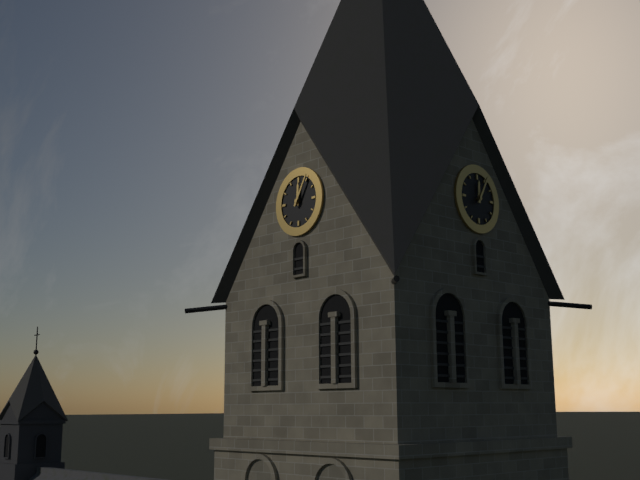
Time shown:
{"hour": 12, "minute": 5}
